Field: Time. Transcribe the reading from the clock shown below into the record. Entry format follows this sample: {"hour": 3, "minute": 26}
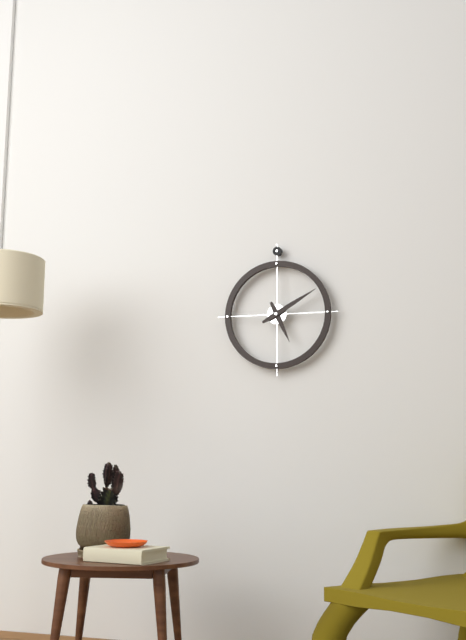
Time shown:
{"hour": 5, "minute": 10}
